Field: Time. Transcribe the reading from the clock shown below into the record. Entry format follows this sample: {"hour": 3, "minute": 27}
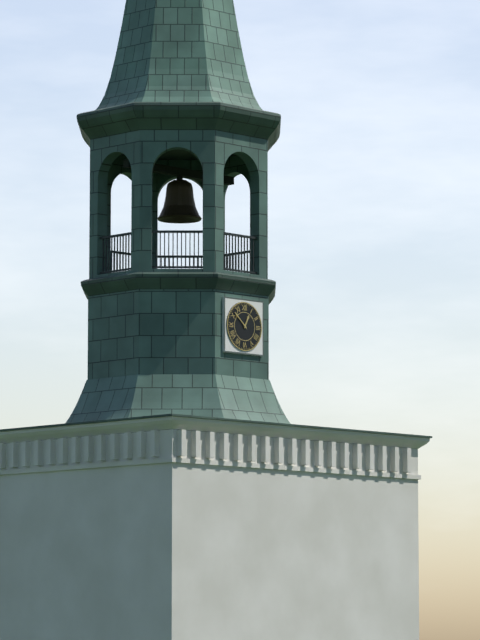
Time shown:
{"hour": 12, "minute": 52}
